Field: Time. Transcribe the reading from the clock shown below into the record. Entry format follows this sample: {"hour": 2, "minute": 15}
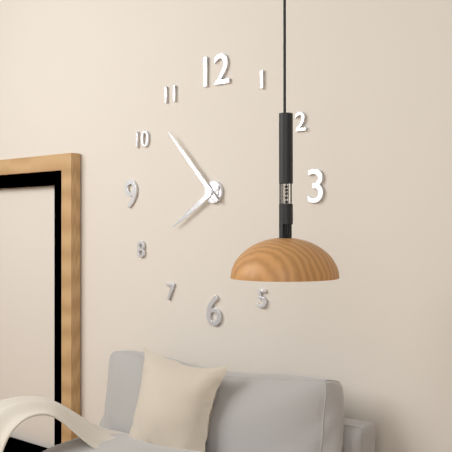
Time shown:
{"hour": 7, "minute": 53}
